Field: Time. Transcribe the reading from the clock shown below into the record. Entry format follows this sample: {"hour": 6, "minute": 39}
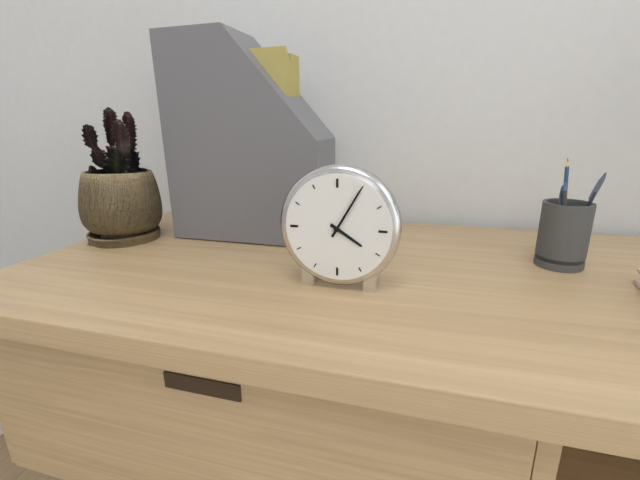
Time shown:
{"hour": 4, "minute": 5}
